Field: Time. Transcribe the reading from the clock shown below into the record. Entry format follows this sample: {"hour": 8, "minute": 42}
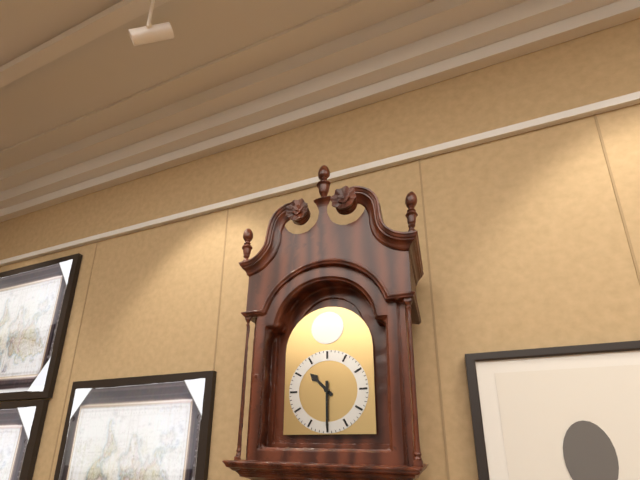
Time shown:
{"hour": 10, "minute": 30}
